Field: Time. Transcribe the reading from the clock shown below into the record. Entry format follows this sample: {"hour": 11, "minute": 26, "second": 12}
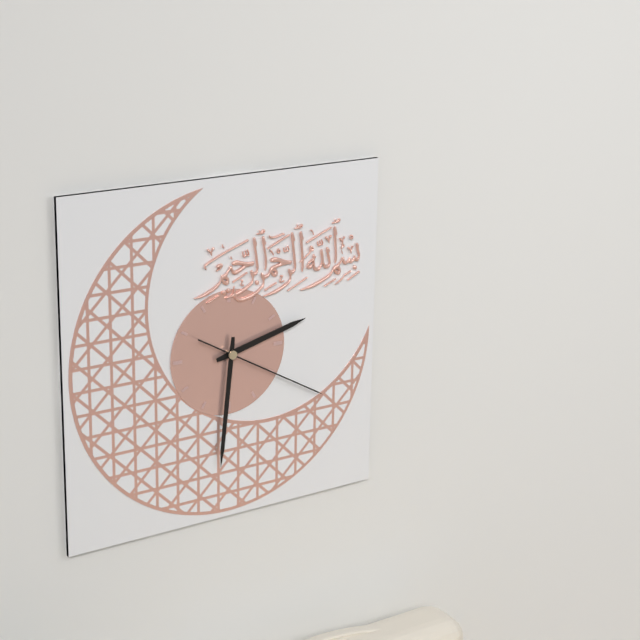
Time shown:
{"hour": 2, "minute": 31, "second": 20}
